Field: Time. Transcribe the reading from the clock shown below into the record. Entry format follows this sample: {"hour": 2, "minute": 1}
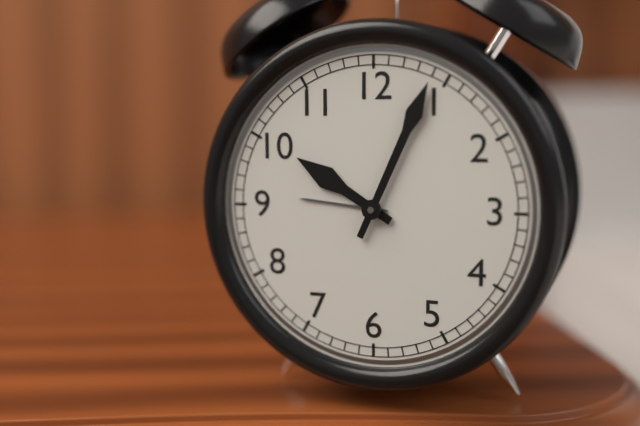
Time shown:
{"hour": 10, "minute": 4}
